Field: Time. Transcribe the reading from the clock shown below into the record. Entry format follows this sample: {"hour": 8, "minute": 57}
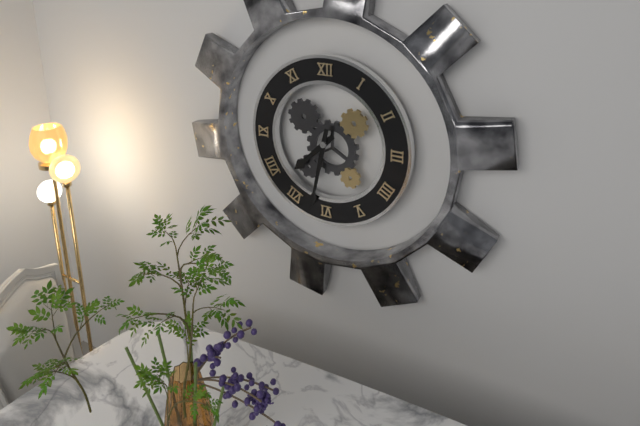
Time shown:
{"hour": 7, "minute": 32}
